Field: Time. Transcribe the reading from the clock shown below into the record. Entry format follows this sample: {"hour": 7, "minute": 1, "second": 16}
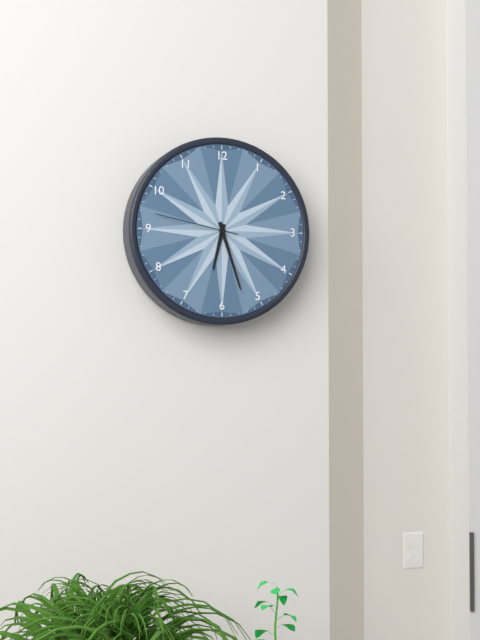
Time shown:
{"hour": 6, "minute": 27, "second": 47}
